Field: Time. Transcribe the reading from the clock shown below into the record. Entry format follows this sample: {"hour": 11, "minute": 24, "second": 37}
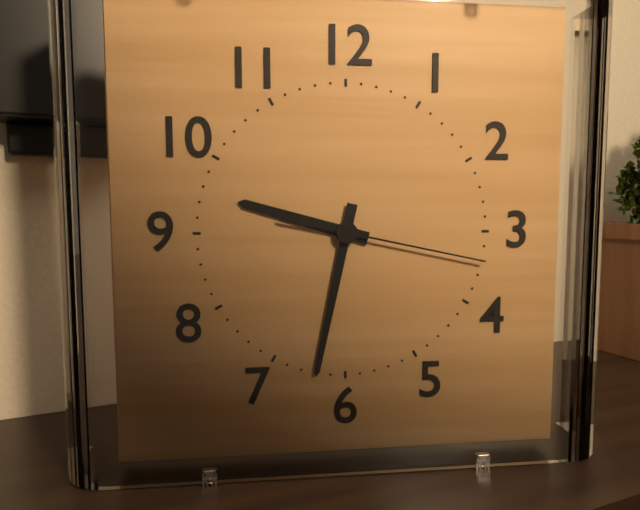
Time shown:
{"hour": 9, "minute": 32, "second": 17}
